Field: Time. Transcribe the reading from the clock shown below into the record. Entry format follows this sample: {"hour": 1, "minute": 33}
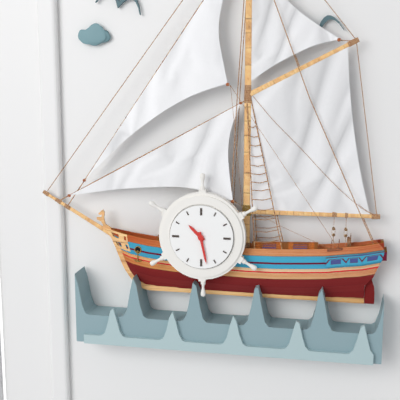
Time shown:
{"hour": 10, "minute": 28}
